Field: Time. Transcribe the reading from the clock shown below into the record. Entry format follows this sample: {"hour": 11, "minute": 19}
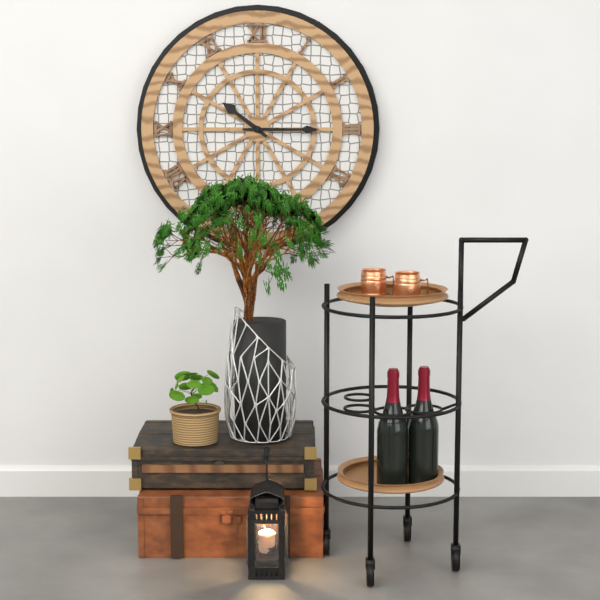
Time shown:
{"hour": 10, "minute": 15}
